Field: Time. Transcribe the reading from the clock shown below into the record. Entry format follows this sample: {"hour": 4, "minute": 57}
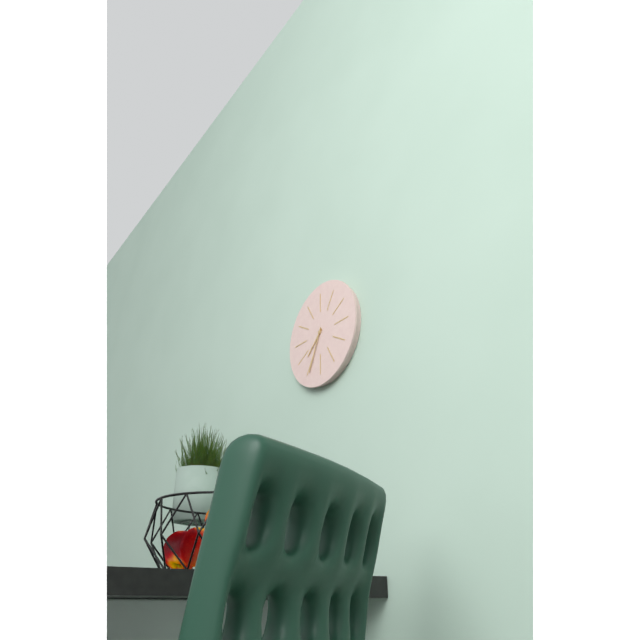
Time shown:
{"hour": 7, "minute": 34}
